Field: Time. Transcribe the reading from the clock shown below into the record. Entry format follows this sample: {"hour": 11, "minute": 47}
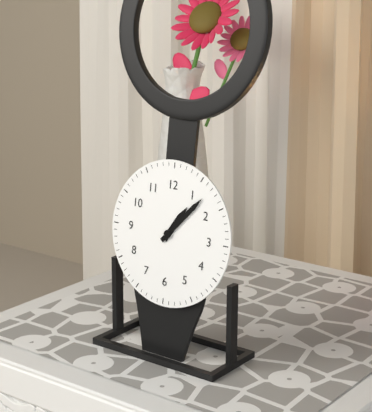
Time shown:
{"hour": 1, "minute": 7}
